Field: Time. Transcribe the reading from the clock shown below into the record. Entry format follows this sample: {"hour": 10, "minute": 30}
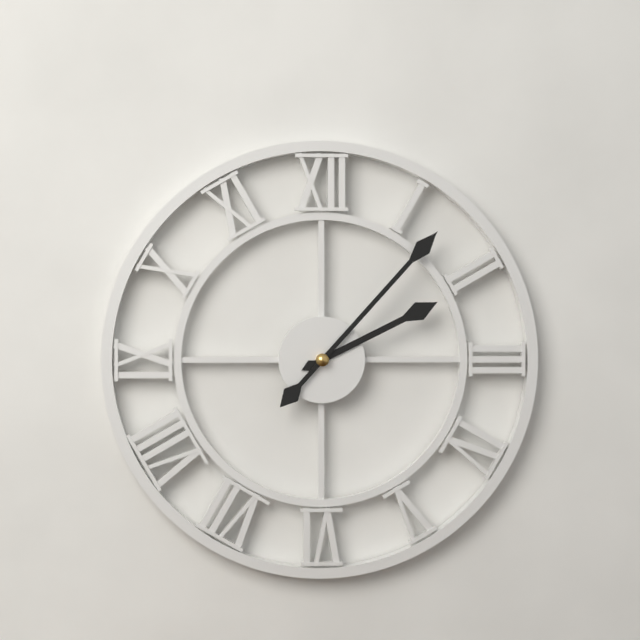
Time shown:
{"hour": 2, "minute": 7}
